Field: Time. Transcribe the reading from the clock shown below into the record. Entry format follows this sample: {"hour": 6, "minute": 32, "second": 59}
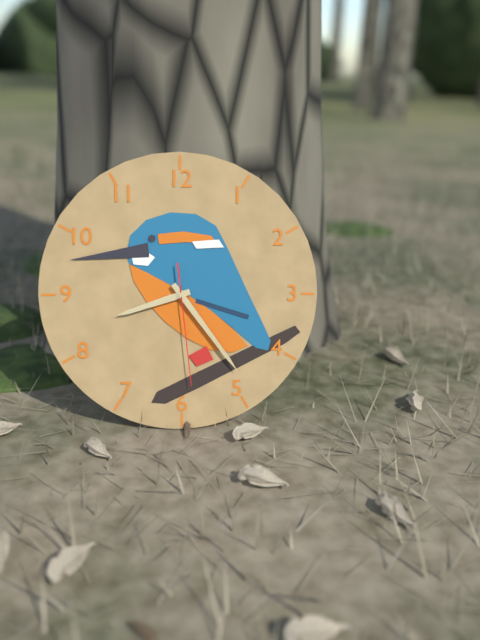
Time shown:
{"hour": 8, "minute": 24, "second": 29}
